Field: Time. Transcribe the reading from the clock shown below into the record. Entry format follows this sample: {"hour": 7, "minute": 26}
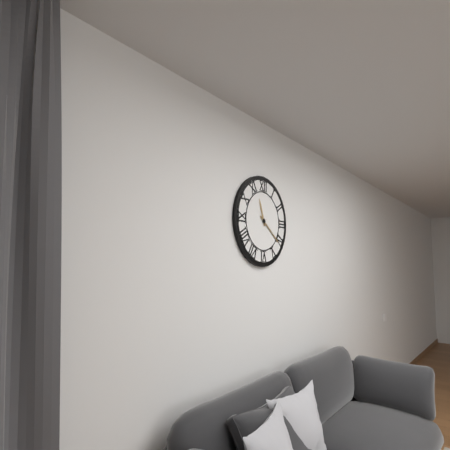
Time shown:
{"hour": 11, "minute": 21}
